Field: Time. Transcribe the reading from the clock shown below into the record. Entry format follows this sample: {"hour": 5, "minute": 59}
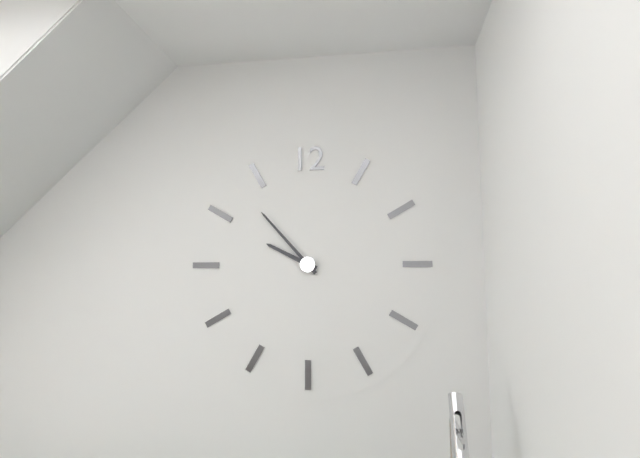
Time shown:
{"hour": 9, "minute": 53}
